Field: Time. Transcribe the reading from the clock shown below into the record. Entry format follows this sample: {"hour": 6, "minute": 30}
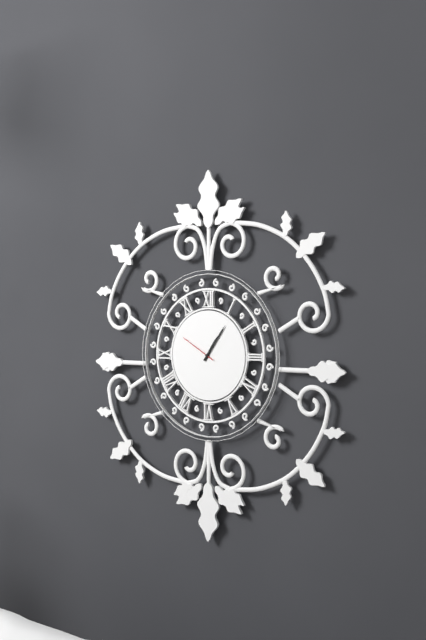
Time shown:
{"hour": 1, "minute": 6}
